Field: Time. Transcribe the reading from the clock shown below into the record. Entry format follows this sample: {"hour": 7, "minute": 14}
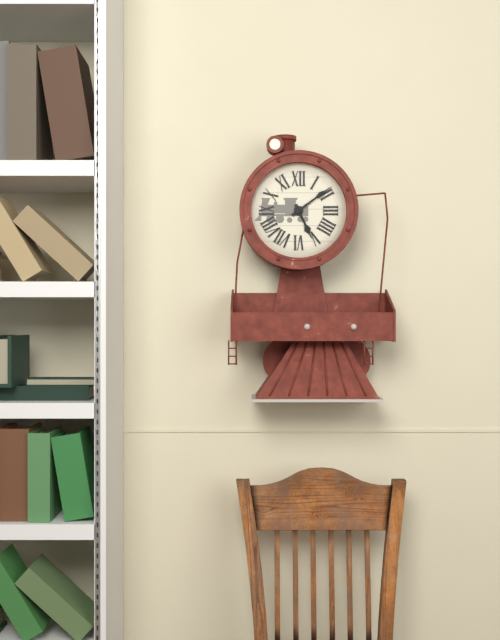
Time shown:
{"hour": 5, "minute": 9}
